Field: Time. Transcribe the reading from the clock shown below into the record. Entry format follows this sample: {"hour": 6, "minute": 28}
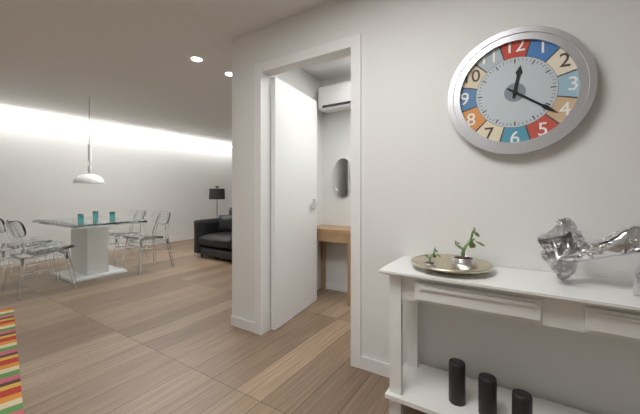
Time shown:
{"hour": 12, "minute": 21}
